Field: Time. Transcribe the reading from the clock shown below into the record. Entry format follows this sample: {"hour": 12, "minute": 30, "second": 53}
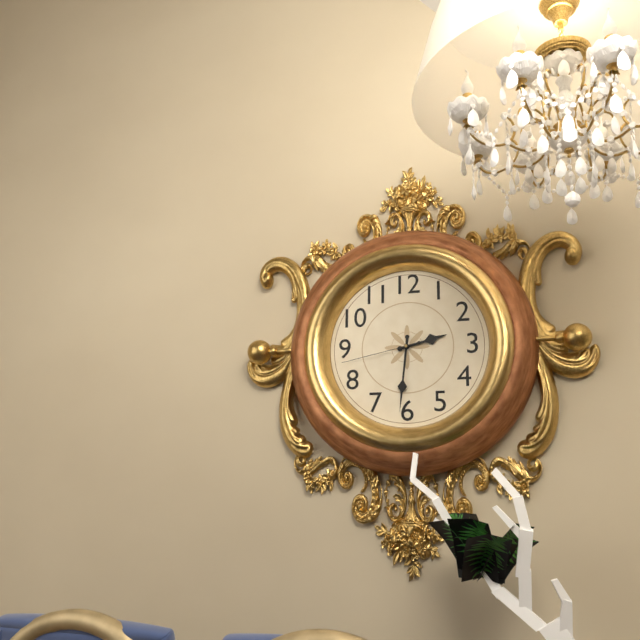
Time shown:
{"hour": 2, "minute": 31, "second": 43}
